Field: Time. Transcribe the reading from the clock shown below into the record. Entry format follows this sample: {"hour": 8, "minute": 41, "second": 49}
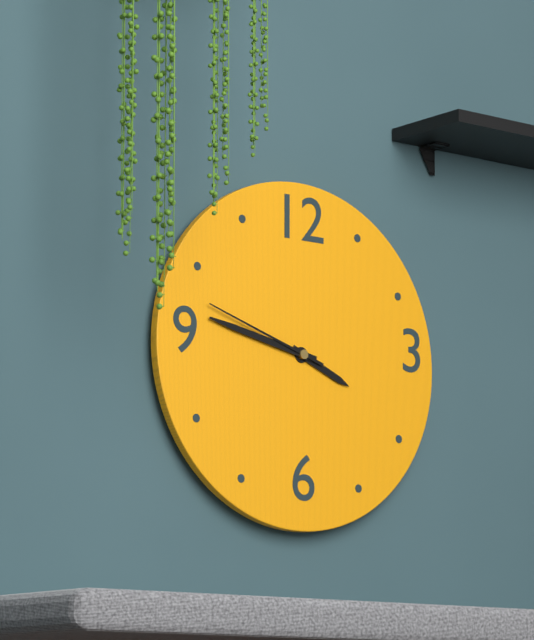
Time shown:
{"hour": 3, "minute": 47, "second": 48}
